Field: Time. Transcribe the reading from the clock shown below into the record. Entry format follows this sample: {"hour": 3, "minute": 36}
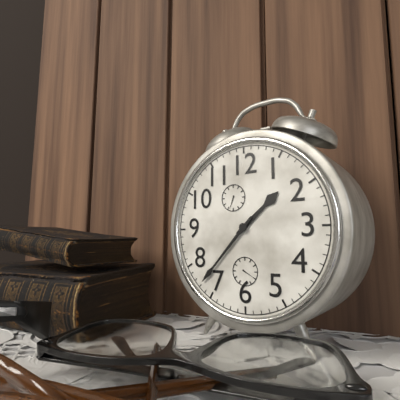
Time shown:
{"hour": 1, "minute": 37}
